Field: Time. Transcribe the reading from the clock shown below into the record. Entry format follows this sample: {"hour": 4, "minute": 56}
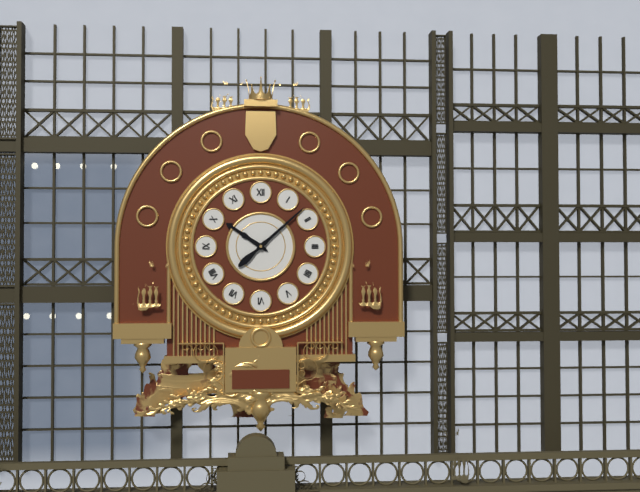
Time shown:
{"hour": 10, "minute": 8}
